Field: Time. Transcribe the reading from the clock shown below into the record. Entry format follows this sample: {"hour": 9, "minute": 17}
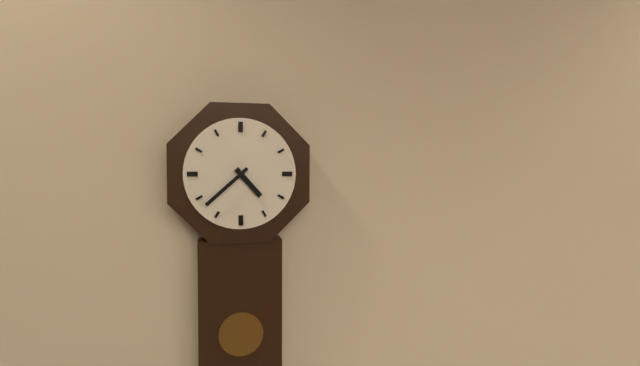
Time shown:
{"hour": 4, "minute": 38}
